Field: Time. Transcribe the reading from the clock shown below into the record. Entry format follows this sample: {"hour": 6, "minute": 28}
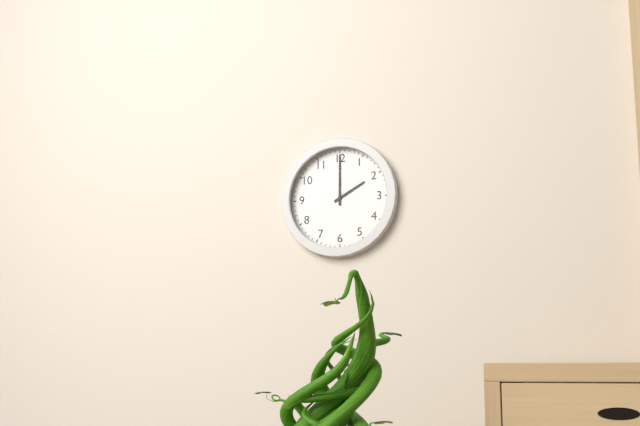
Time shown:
{"hour": 2, "minute": 0}
